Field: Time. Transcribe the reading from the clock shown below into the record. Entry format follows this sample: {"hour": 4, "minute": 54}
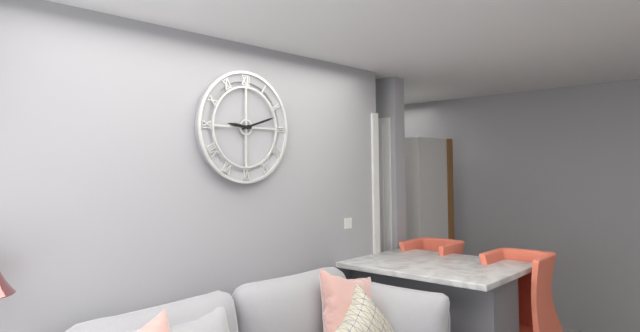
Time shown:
{"hour": 9, "minute": 12}
